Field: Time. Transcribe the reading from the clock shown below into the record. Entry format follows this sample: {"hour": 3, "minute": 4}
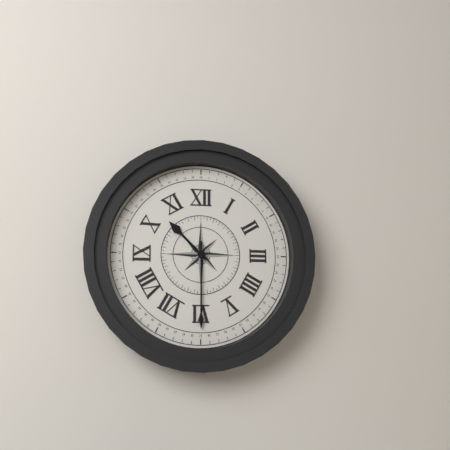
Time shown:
{"hour": 10, "minute": 30}
